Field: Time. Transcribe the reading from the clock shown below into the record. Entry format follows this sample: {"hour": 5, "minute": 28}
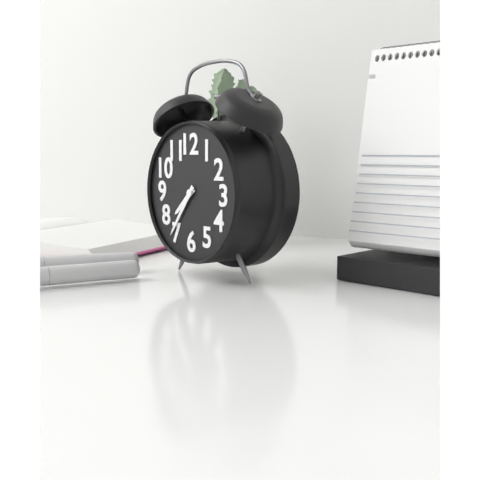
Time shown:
{"hour": 7, "minute": 36}
